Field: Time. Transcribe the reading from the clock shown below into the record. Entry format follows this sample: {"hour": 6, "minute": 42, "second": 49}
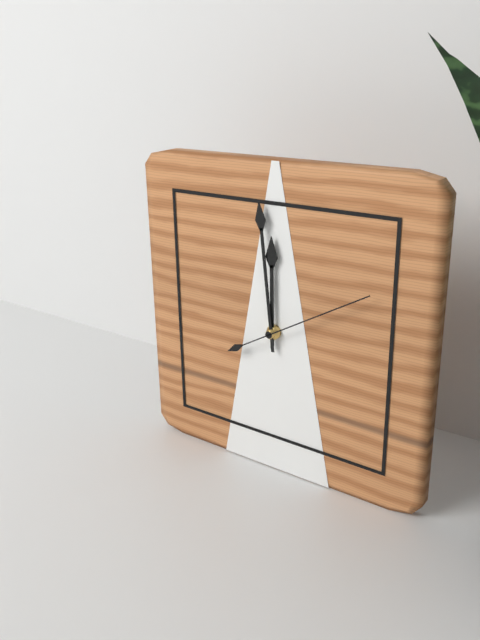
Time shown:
{"hour": 11, "minute": 59, "second": 10}
